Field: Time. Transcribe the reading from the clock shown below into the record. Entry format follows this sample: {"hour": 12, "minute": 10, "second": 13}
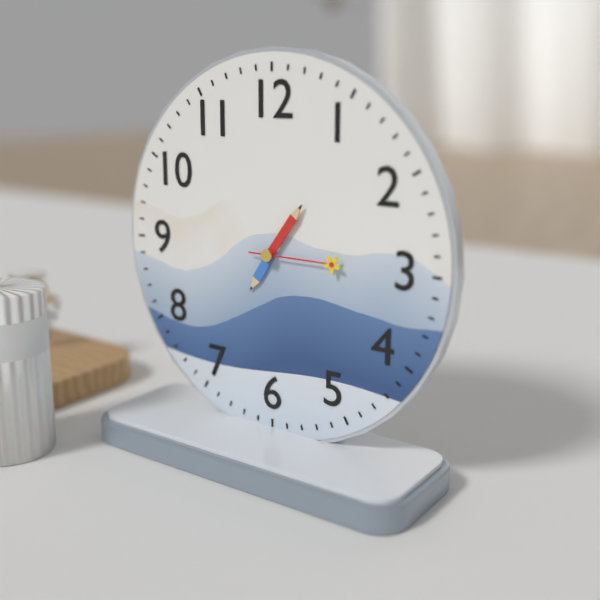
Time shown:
{"hour": 7, "minute": 6, "second": 15}
